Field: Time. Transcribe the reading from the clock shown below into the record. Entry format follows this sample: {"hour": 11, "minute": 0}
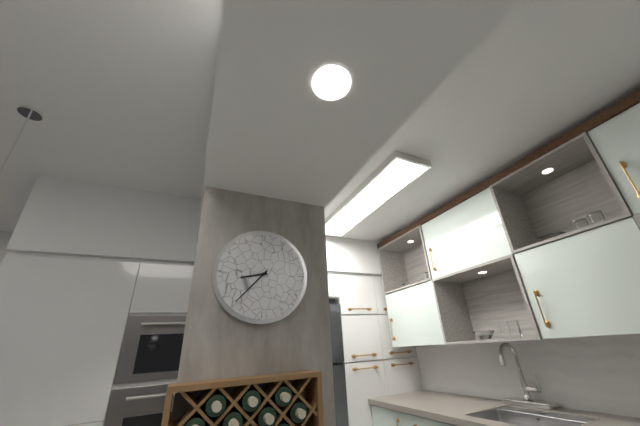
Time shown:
{"hour": 8, "minute": 37}
